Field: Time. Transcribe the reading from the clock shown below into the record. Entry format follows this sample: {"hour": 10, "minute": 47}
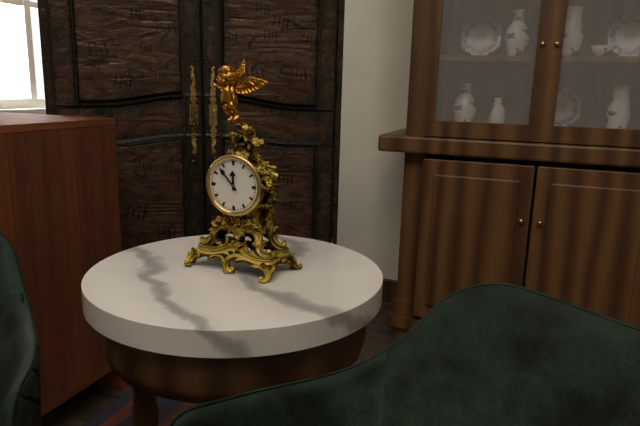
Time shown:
{"hour": 11, "minute": 53}
